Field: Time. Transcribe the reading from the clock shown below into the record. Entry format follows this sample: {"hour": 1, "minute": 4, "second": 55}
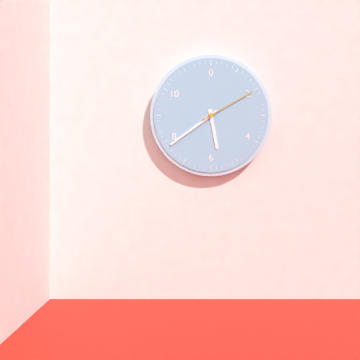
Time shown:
{"hour": 5, "minute": 39, "second": 10}
